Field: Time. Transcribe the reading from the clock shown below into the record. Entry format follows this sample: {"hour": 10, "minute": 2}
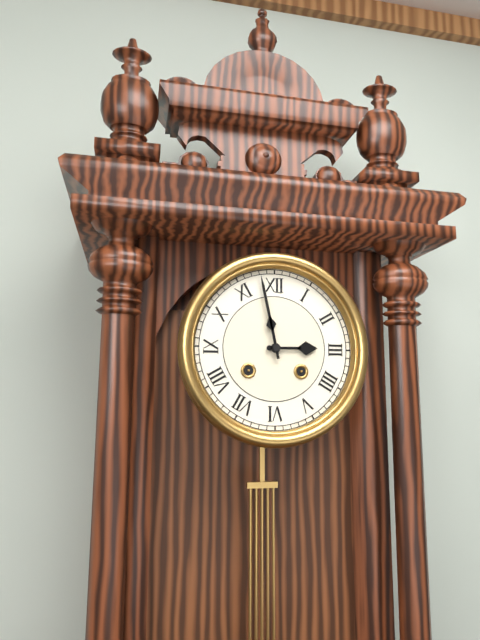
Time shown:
{"hour": 2, "minute": 58}
